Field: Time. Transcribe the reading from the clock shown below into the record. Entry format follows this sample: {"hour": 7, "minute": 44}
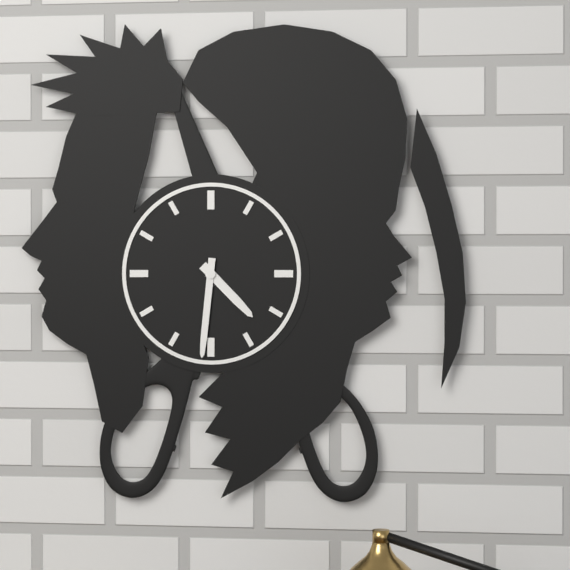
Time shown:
{"hour": 4, "minute": 31}
